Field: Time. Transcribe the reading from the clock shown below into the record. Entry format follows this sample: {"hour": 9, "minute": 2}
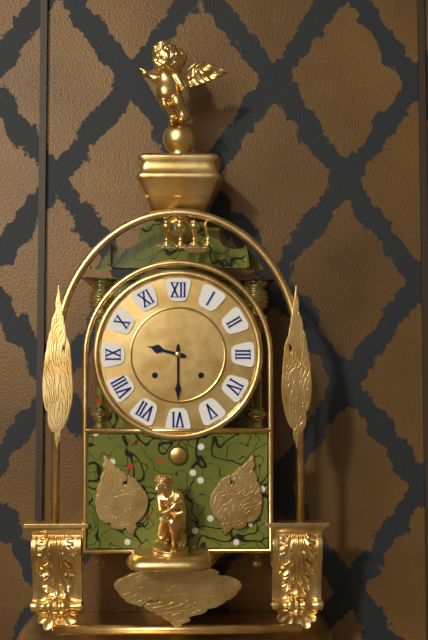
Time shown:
{"hour": 9, "minute": 30}
